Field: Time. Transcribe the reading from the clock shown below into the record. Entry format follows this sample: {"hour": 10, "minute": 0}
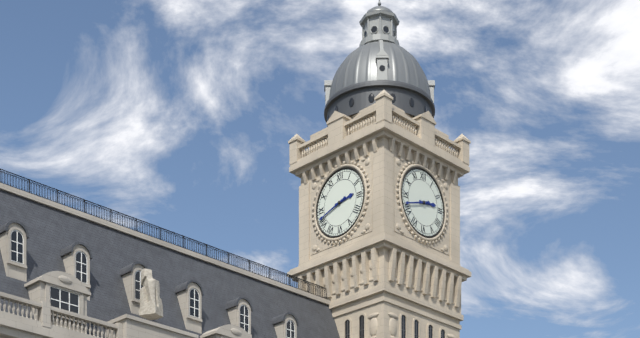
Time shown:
{"hour": 2, "minute": 42}
